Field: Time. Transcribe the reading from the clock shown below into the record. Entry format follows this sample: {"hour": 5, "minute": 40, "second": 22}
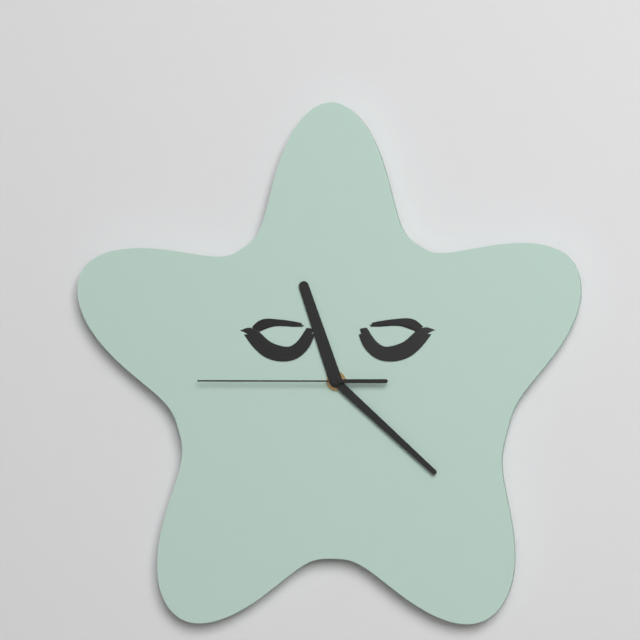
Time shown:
{"hour": 11, "minute": 22, "second": 45}
